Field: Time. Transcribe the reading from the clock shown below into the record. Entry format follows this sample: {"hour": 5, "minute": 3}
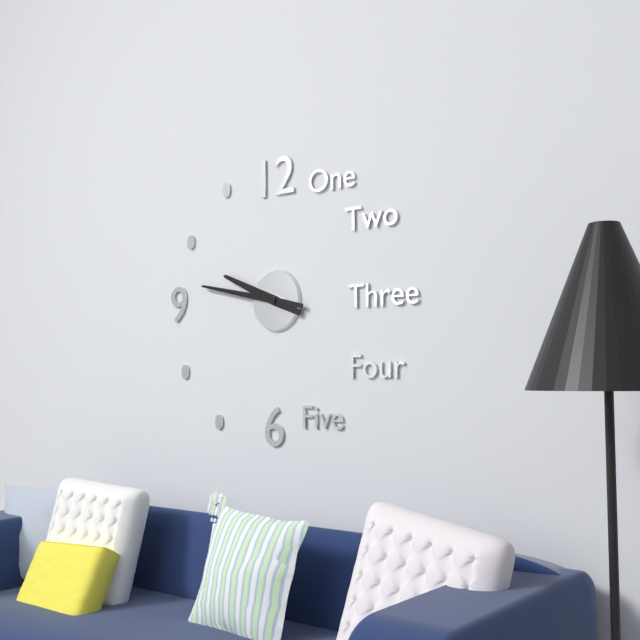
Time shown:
{"hour": 9, "minute": 47}
